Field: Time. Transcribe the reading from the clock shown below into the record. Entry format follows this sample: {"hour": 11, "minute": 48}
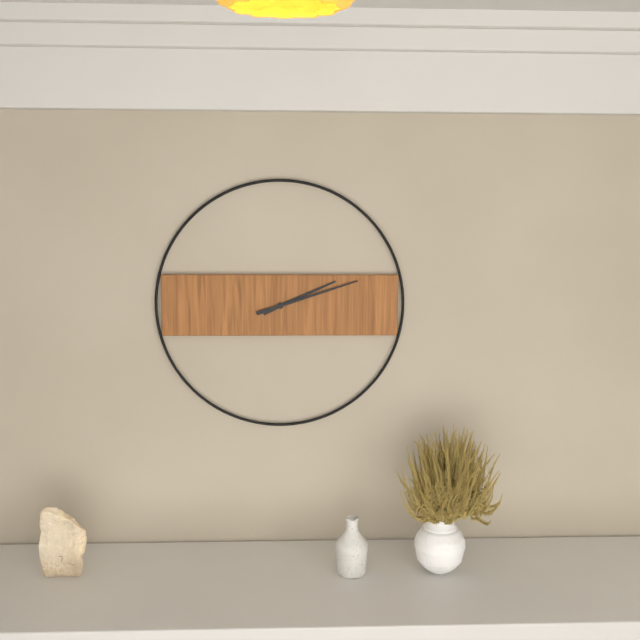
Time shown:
{"hour": 2, "minute": 12}
